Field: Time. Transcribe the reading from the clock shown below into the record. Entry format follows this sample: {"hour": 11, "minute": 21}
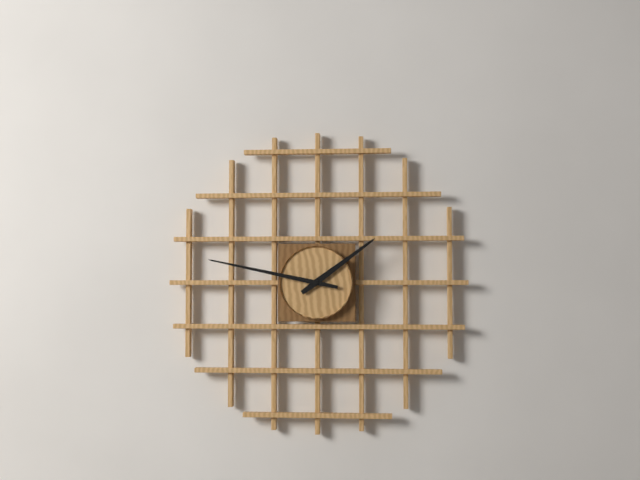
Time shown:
{"hour": 1, "minute": 47}
